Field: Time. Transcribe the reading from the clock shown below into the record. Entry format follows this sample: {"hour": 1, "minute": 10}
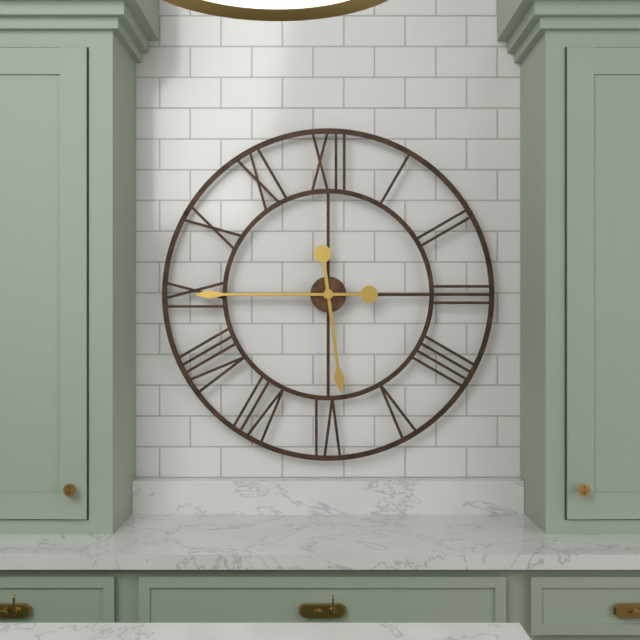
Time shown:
{"hour": 5, "minute": 45}
